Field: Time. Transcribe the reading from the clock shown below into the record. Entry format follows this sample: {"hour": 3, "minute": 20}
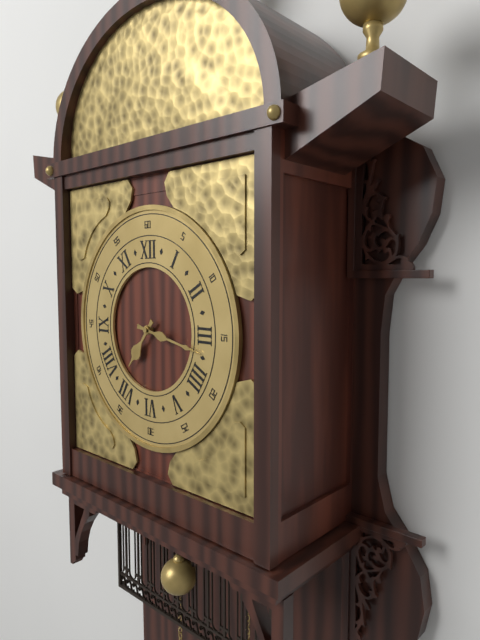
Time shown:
{"hour": 7, "minute": 17}
